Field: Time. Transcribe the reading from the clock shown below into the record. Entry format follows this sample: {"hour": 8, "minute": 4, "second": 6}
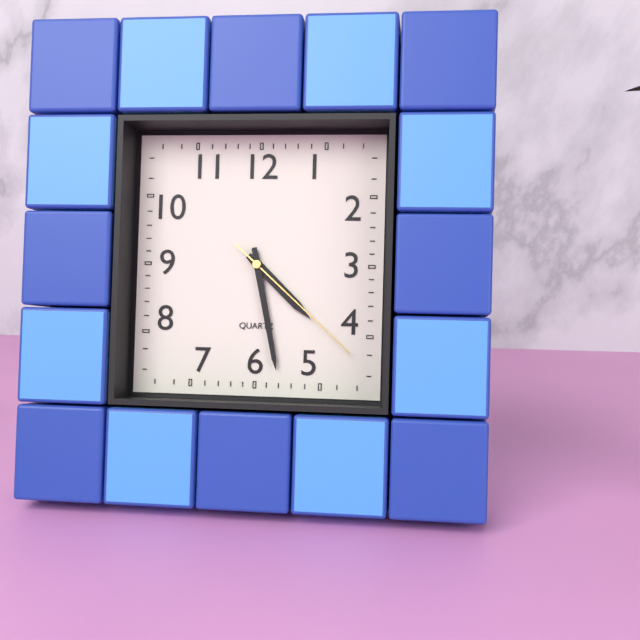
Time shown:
{"hour": 4, "minute": 28, "second": 22}
